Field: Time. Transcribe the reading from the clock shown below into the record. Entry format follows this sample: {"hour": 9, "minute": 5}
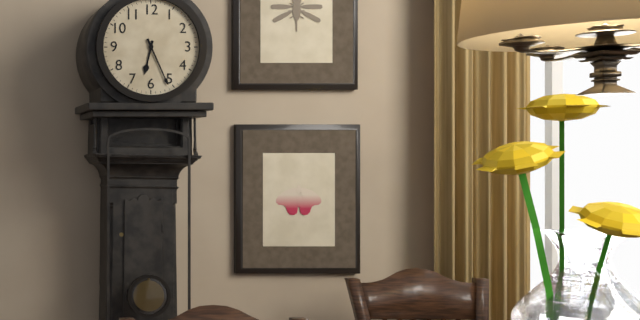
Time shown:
{"hour": 6, "minute": 26}
